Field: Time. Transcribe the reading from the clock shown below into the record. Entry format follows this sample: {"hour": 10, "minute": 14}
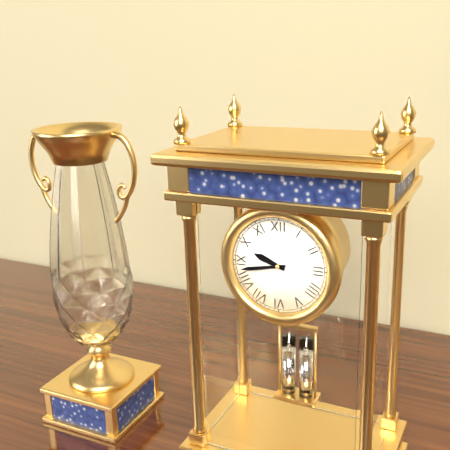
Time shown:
{"hour": 9, "minute": 43}
